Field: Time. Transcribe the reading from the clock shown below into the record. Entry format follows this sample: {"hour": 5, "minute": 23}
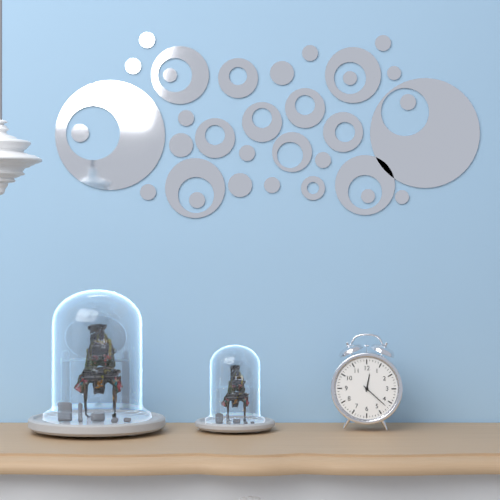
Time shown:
{"hour": 12, "minute": 22}
